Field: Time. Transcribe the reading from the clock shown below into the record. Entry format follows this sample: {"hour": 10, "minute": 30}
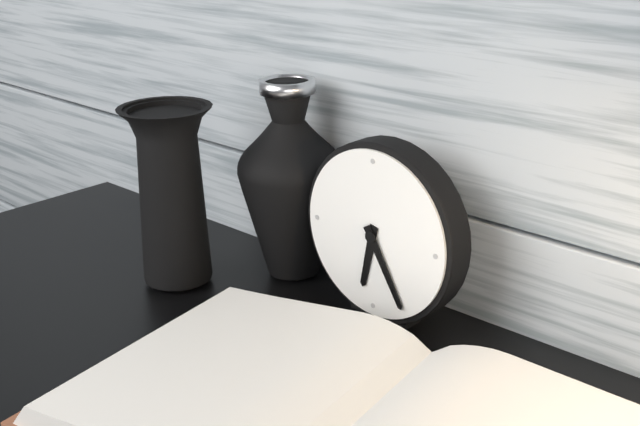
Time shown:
{"hour": 6, "minute": 25}
